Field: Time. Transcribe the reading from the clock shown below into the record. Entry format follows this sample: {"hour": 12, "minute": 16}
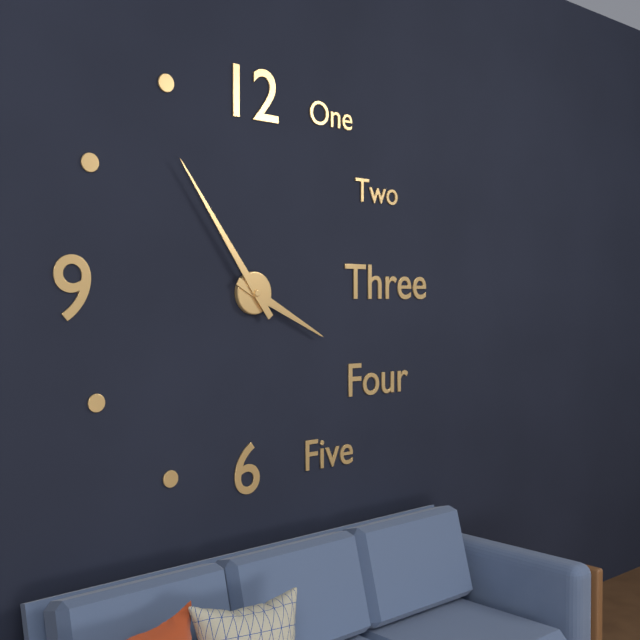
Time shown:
{"hour": 3, "minute": 54}
